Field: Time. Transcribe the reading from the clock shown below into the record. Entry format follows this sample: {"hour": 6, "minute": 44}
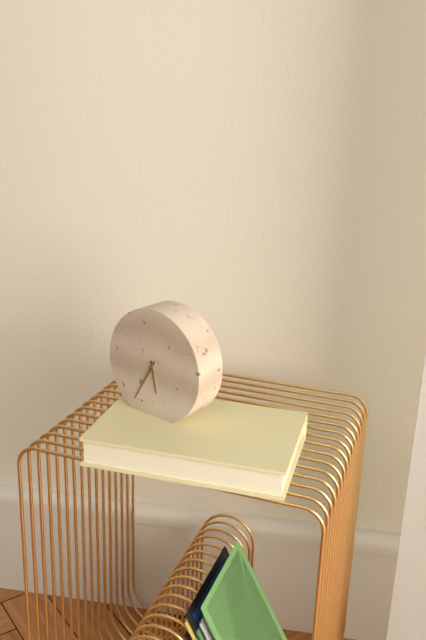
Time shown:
{"hour": 5, "minute": 35}
